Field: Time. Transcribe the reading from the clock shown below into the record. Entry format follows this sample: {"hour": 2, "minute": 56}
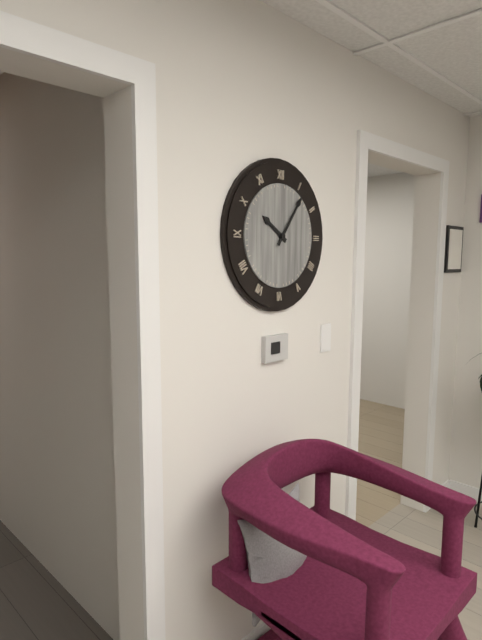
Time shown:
{"hour": 10, "minute": 6}
